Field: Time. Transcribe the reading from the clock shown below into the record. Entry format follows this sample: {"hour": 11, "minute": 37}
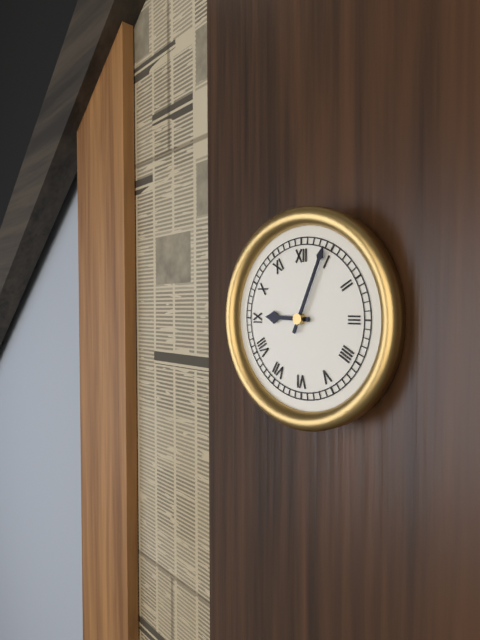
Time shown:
{"hour": 9, "minute": 4}
